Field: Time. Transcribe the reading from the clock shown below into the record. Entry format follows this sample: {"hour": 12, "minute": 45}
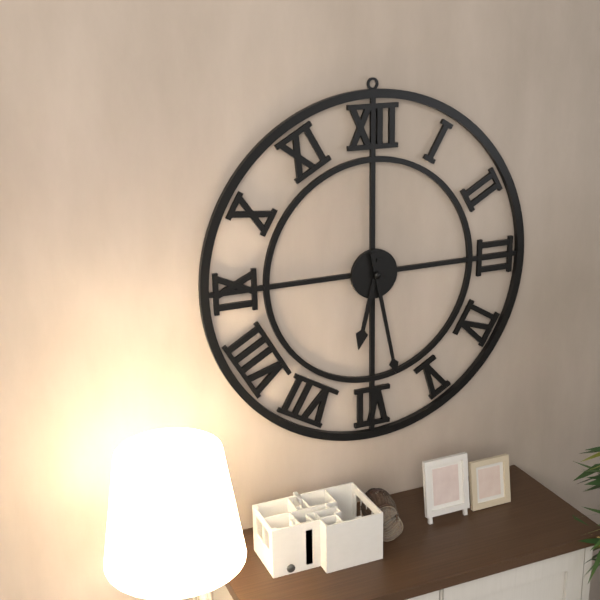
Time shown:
{"hour": 6, "minute": 28}
